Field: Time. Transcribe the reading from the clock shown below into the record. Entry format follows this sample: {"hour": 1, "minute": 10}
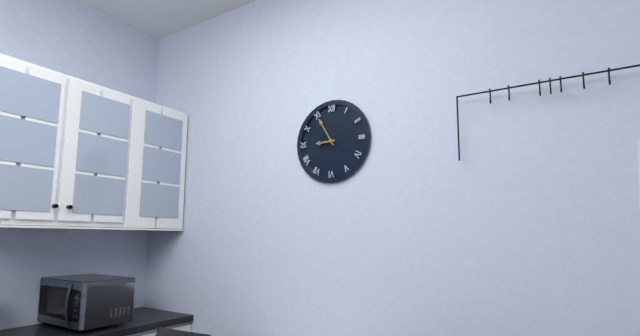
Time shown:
{"hour": 8, "minute": 55}
